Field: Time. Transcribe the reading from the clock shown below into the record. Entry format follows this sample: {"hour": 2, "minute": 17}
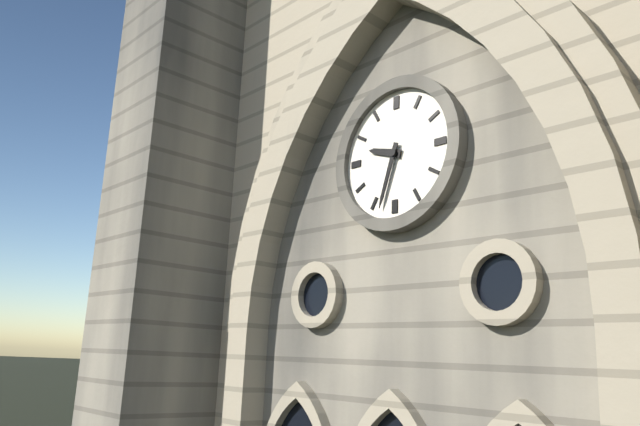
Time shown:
{"hour": 9, "minute": 33}
